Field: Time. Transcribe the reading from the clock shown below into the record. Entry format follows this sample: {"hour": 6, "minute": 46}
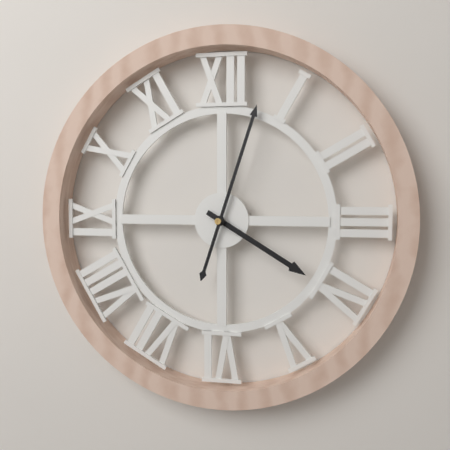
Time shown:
{"hour": 4, "minute": 3}
